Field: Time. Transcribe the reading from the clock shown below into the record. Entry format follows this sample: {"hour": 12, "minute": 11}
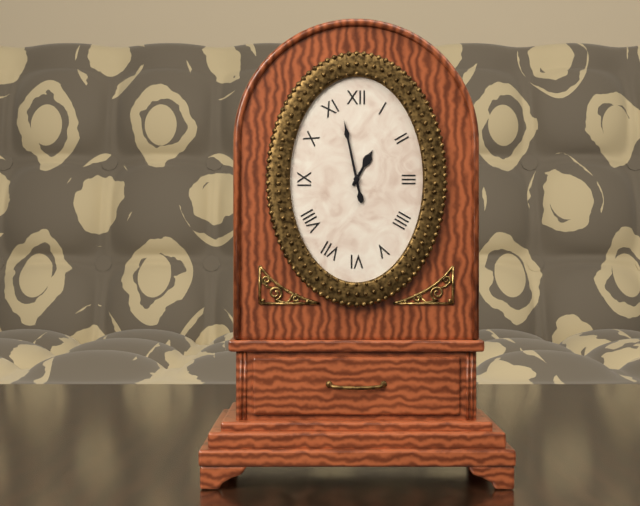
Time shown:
{"hour": 12, "minute": 58}
